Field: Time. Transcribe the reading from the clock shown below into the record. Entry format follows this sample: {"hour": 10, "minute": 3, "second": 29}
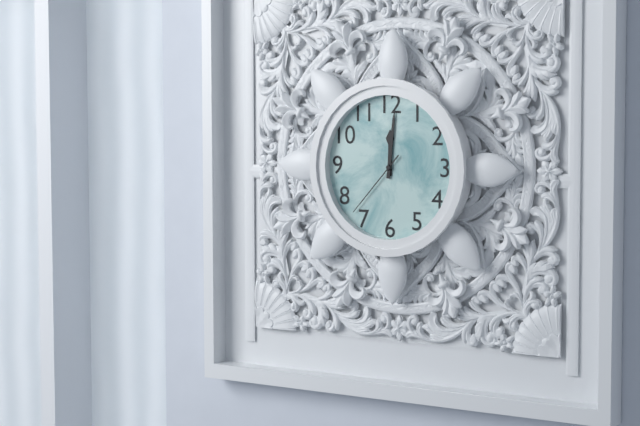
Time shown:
{"hour": 12, "minute": 1, "second": 37}
